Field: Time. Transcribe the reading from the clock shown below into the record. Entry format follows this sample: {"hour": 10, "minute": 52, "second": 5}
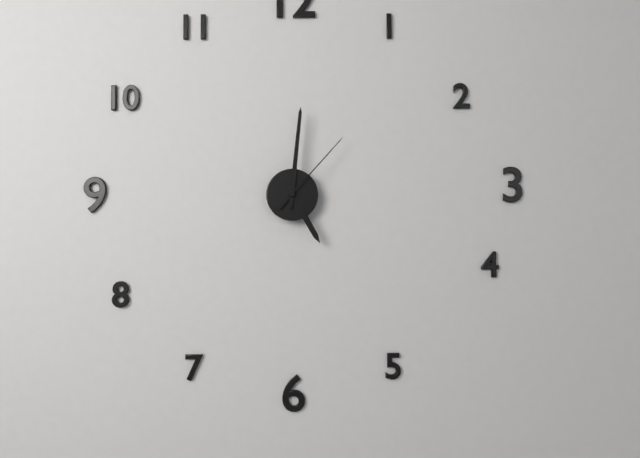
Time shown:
{"hour": 5, "minute": 1, "second": 7}
